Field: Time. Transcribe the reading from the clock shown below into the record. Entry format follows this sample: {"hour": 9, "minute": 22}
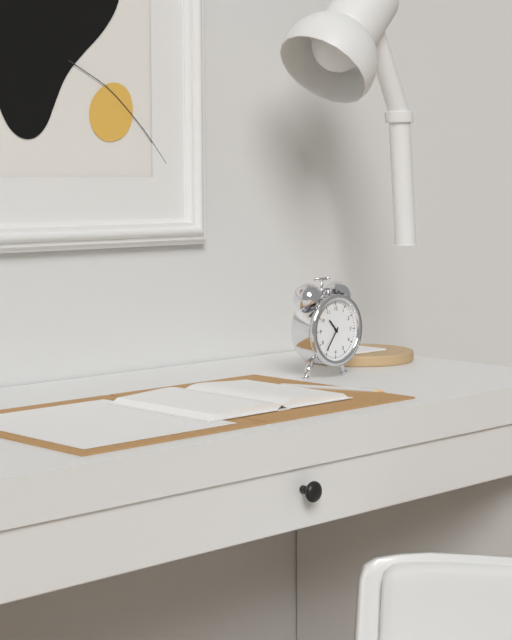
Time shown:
{"hour": 10, "minute": 36}
